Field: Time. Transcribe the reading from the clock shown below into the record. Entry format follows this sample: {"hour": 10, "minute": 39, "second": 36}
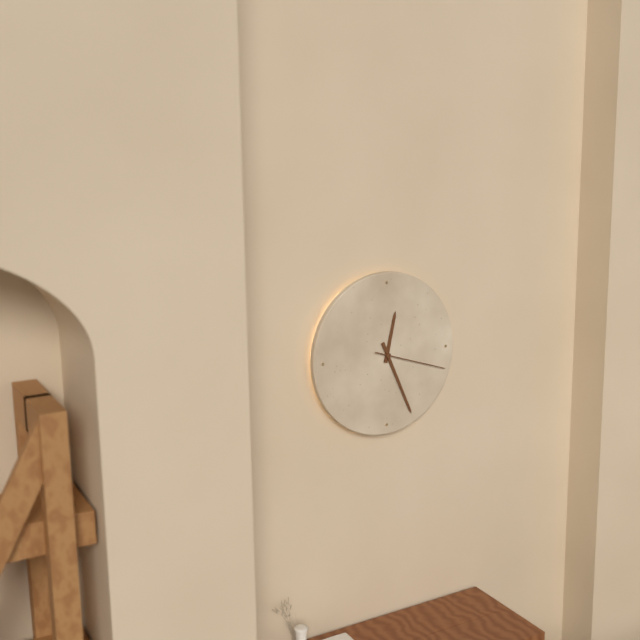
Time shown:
{"hour": 12, "minute": 26, "second": 18}
